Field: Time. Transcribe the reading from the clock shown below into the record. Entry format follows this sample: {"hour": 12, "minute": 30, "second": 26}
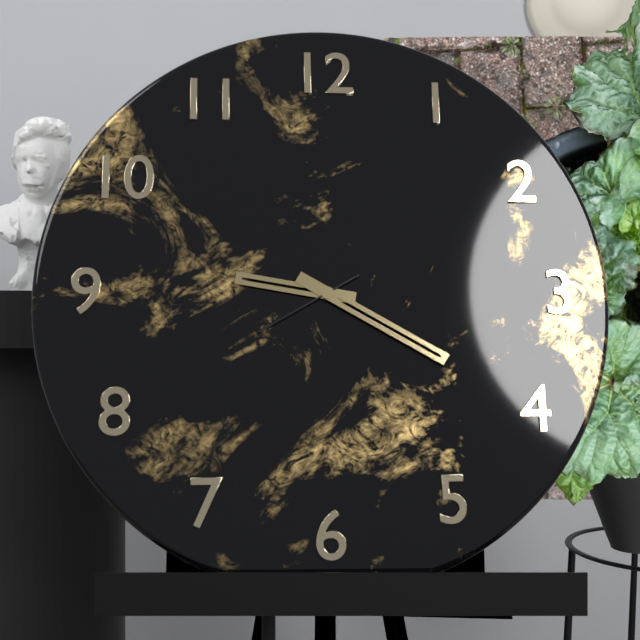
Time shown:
{"hour": 9, "minute": 20, "second": 40}
